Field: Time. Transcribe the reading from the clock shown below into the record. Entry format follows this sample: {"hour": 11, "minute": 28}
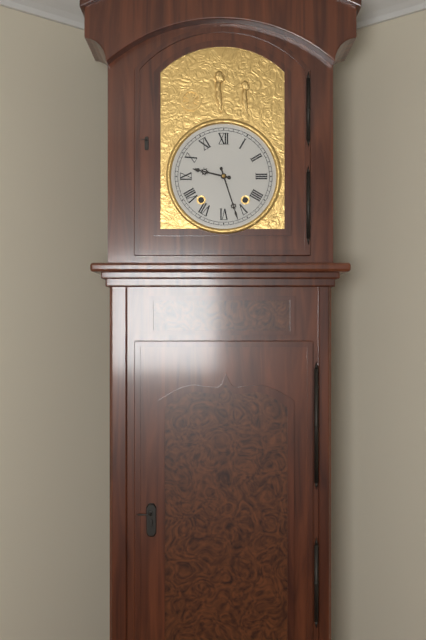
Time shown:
{"hour": 9, "minute": 27}
